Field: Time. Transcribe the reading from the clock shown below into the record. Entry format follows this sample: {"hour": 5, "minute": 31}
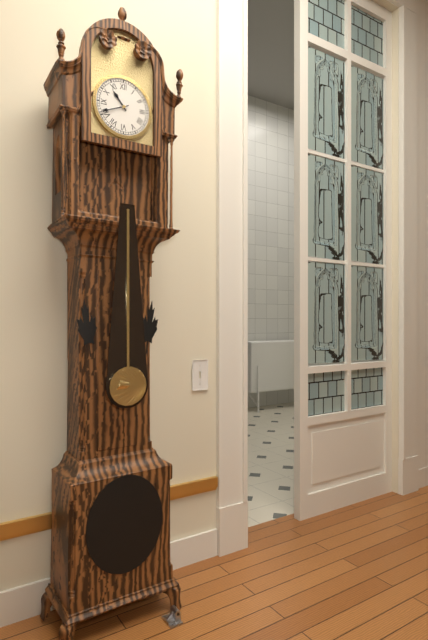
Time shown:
{"hour": 10, "minute": 41}
